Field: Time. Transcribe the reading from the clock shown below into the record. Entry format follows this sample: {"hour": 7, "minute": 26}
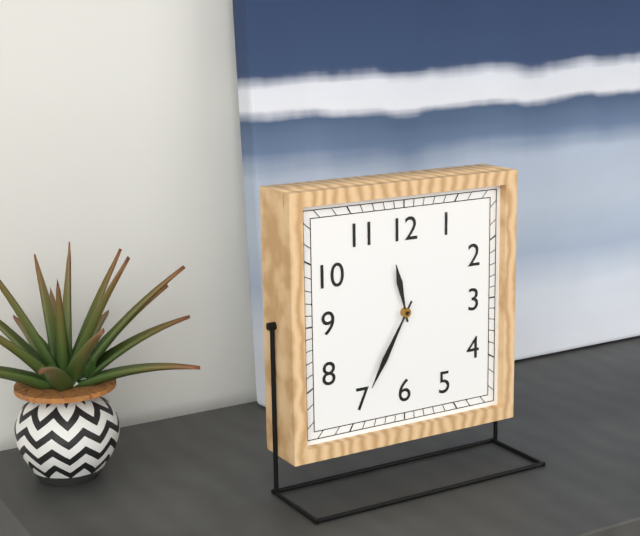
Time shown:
{"hour": 11, "minute": 35}
